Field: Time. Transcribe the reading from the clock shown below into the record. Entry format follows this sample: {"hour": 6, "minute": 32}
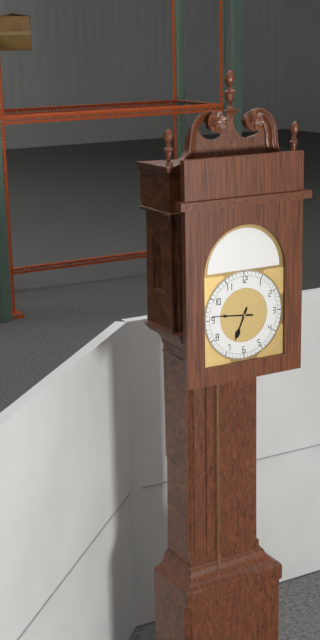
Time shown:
{"hour": 6, "minute": 46}
